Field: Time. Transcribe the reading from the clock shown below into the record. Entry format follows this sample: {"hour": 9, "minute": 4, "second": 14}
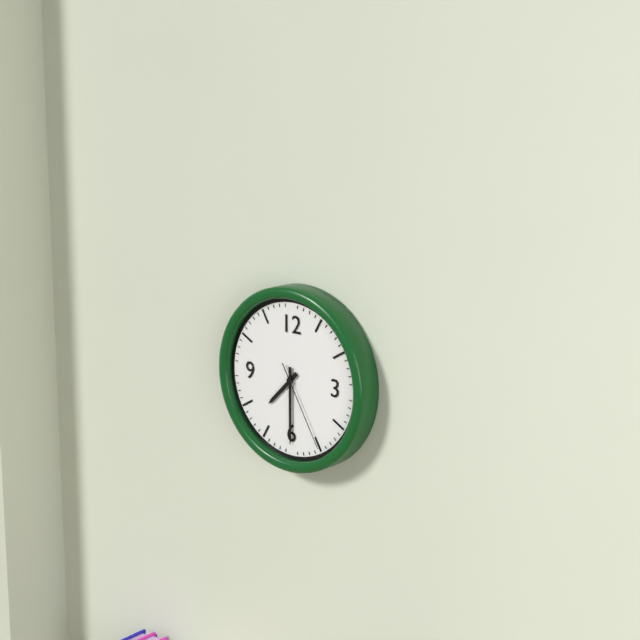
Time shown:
{"hour": 7, "minute": 30, "second": 25}
